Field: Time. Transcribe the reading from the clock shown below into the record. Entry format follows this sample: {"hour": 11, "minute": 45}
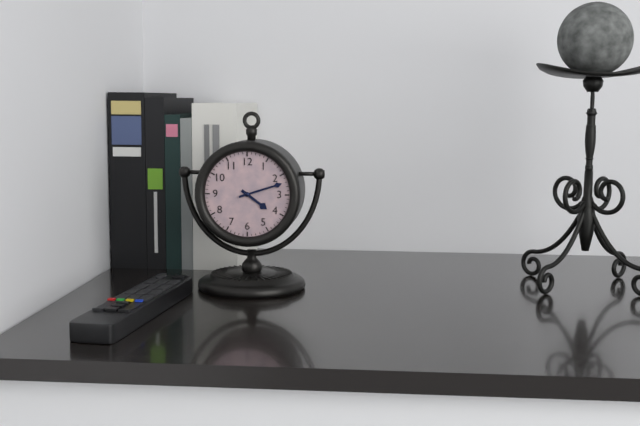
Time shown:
{"hour": 4, "minute": 12}
